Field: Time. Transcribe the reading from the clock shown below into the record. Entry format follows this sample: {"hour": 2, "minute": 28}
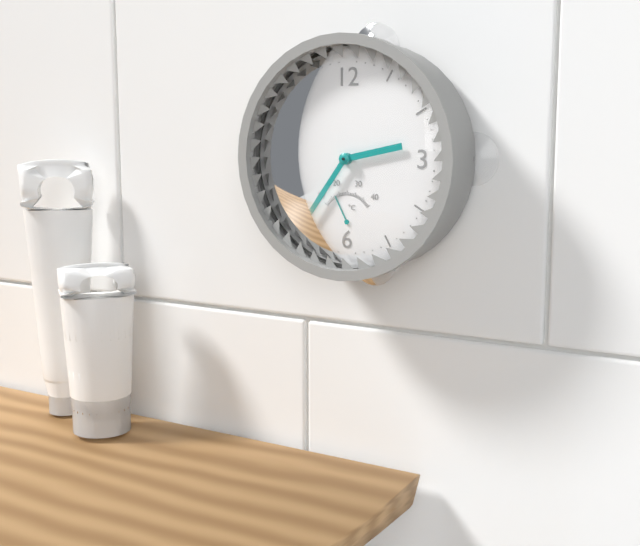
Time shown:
{"hour": 2, "minute": 36}
